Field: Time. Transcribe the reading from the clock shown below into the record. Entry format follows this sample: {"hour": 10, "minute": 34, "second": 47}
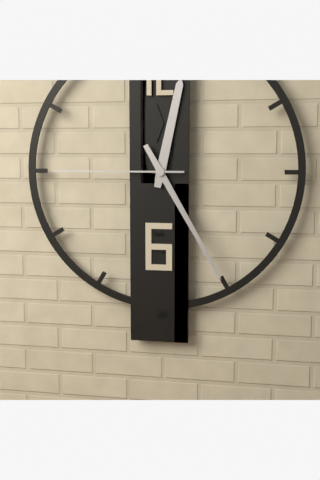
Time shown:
{"hour": 12, "minute": 25, "second": 45}
